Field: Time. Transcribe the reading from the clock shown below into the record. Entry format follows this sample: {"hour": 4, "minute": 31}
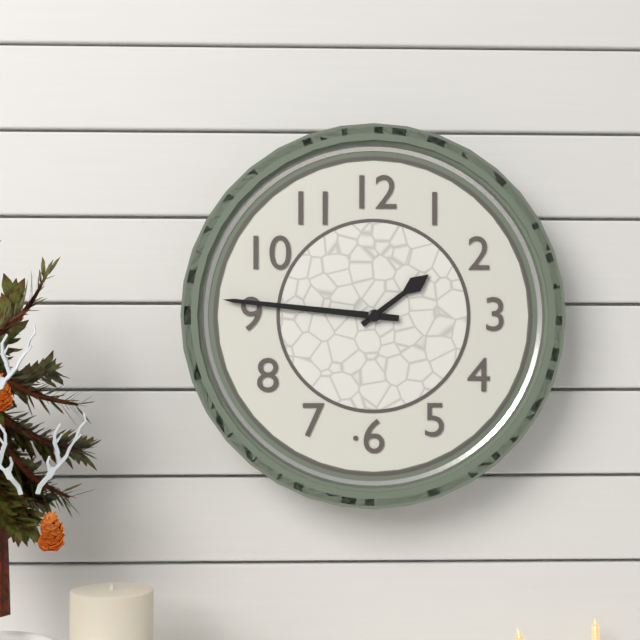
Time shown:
{"hour": 1, "minute": 46}
